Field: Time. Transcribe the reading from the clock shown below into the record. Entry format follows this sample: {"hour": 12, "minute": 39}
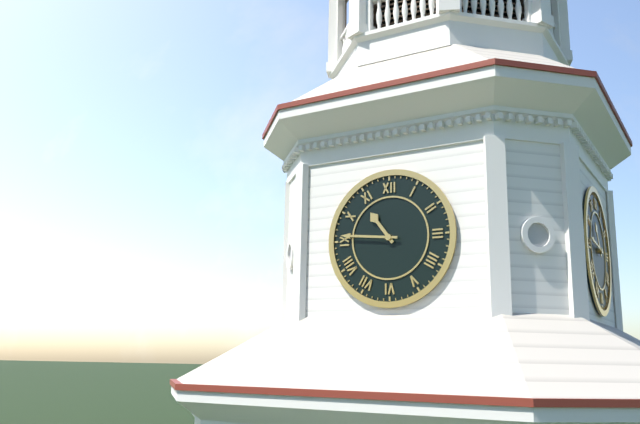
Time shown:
{"hour": 10, "minute": 46}
